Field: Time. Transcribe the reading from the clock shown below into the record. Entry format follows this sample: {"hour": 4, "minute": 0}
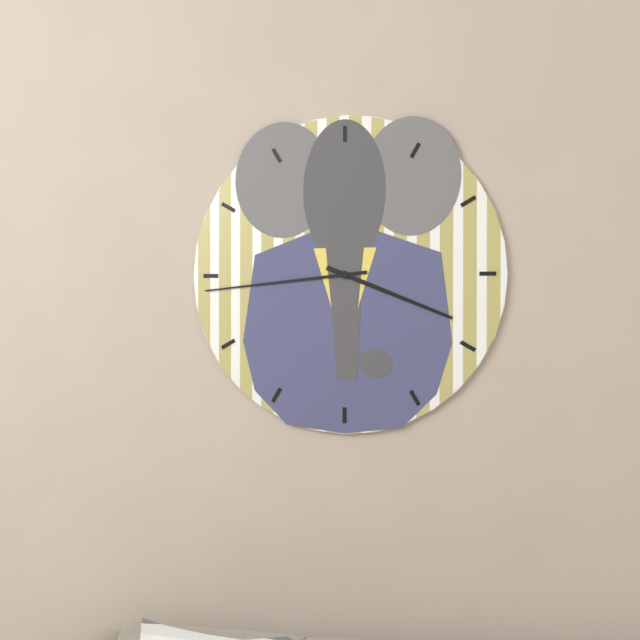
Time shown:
{"hour": 3, "minute": 44}
